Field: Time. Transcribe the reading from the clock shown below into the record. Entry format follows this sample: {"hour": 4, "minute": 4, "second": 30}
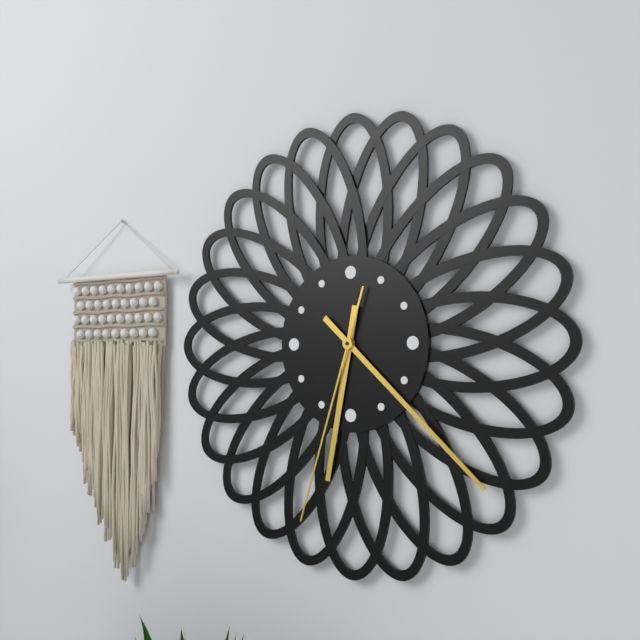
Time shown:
{"hour": 6, "minute": 22, "second": 33}
